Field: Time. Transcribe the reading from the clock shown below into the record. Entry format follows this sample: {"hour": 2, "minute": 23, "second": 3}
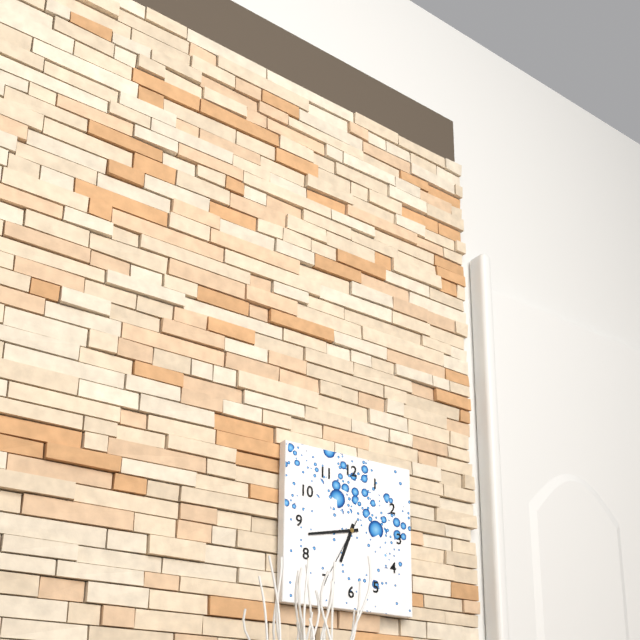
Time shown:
{"hour": 6, "minute": 43, "second": 35}
